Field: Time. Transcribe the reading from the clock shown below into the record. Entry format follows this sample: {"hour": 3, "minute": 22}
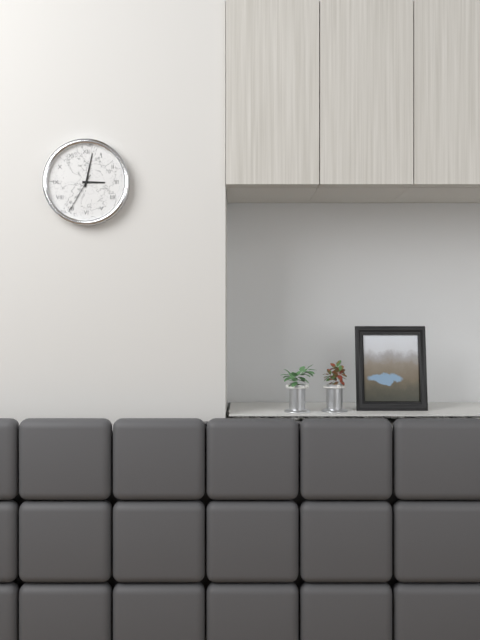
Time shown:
{"hour": 3, "minute": 2}
